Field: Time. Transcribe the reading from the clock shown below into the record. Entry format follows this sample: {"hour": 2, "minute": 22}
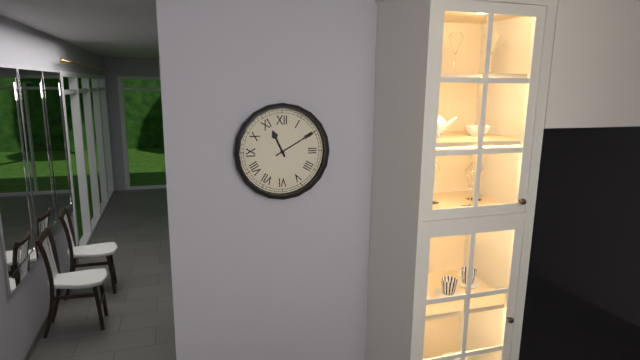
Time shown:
{"hour": 11, "minute": 10}
